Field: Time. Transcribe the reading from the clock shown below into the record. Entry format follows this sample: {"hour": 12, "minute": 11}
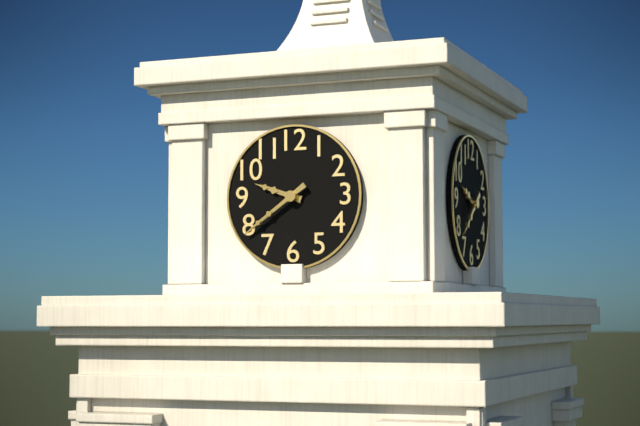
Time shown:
{"hour": 9, "minute": 39}
